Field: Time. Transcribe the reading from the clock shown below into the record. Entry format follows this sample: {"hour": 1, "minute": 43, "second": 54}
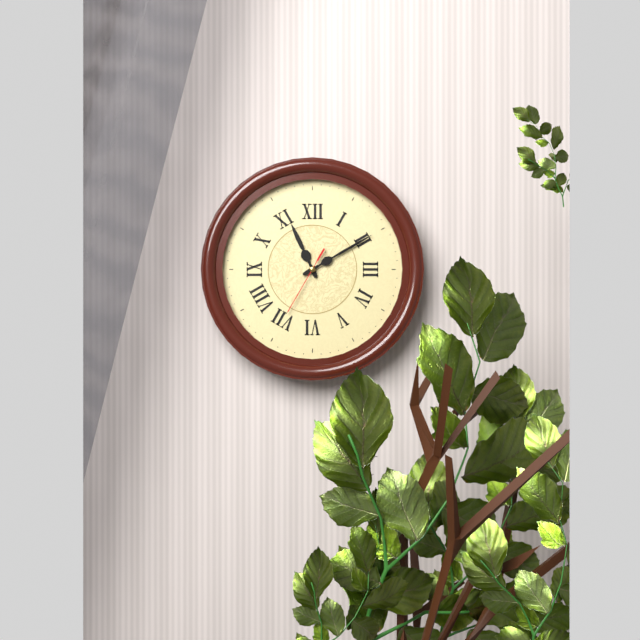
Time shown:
{"hour": 11, "minute": 10, "second": 35}
